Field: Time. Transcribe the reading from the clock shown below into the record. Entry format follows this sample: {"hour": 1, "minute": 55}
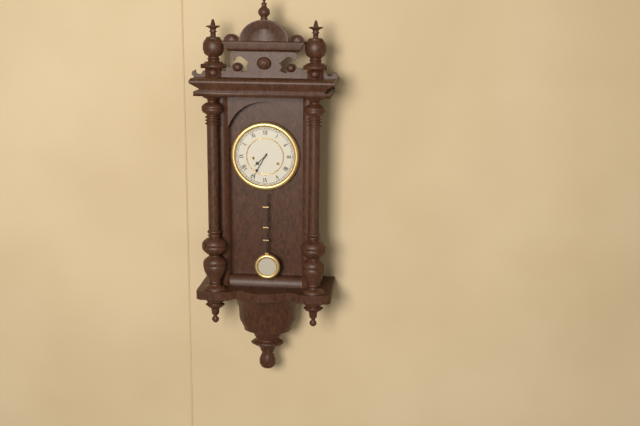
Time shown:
{"hour": 7, "minute": 35}
